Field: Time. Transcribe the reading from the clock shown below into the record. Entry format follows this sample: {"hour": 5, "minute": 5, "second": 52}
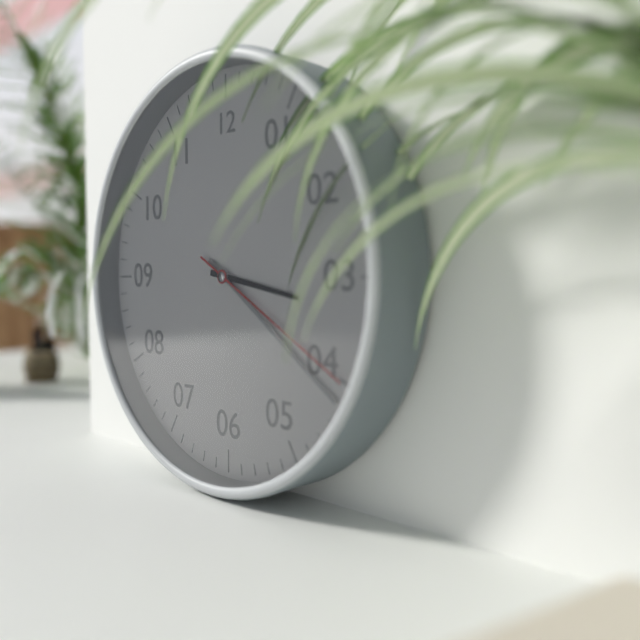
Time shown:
{"hour": 3, "minute": 21, "second": 20}
